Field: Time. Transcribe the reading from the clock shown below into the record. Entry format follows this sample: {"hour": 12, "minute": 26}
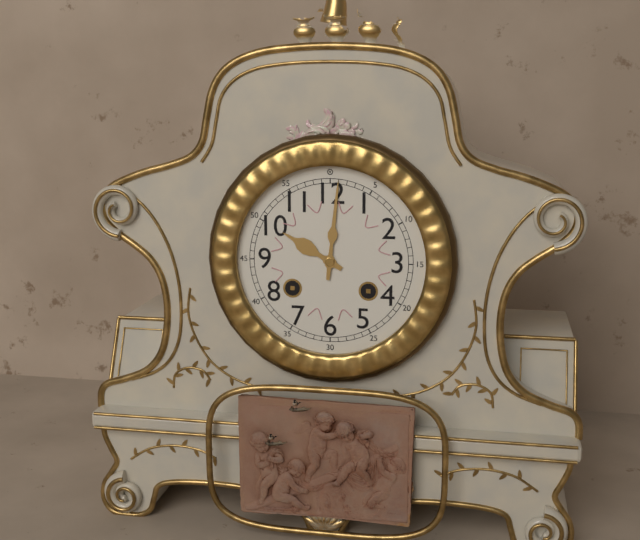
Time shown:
{"hour": 10, "minute": 1}
